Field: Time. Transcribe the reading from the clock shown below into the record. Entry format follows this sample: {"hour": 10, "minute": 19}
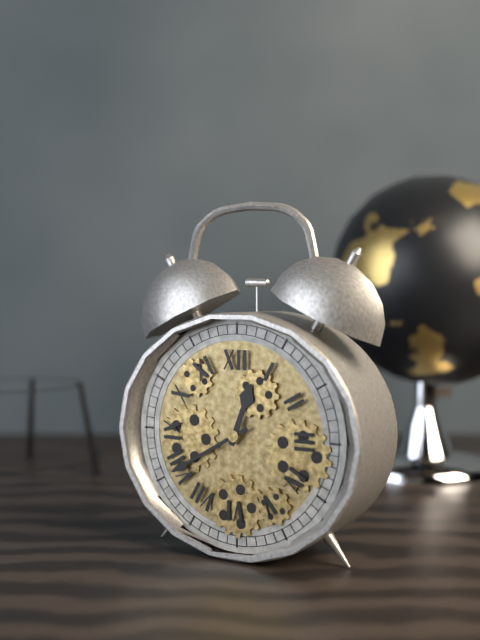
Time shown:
{"hour": 12, "minute": 40}
